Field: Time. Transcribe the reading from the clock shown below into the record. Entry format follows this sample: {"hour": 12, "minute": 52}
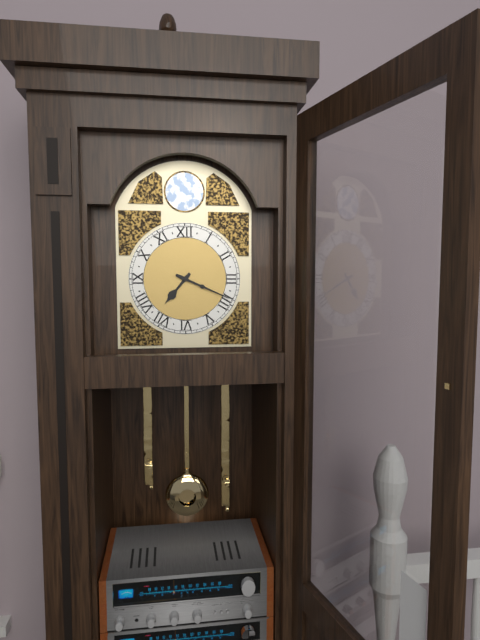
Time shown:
{"hour": 7, "minute": 19}
